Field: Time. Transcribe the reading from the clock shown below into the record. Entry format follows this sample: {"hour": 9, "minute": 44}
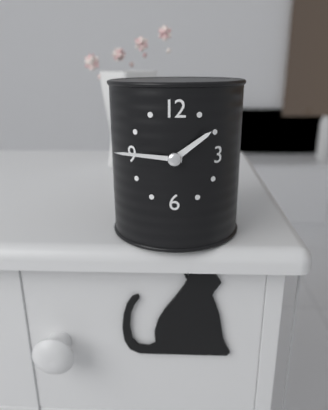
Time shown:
{"hour": 1, "minute": 46}
